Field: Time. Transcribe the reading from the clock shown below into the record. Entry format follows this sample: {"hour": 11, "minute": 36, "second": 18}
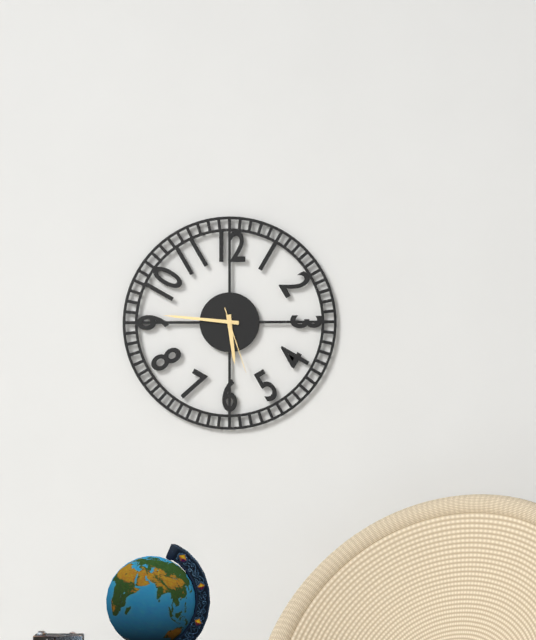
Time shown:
{"hour": 5, "minute": 46, "second": 27}
